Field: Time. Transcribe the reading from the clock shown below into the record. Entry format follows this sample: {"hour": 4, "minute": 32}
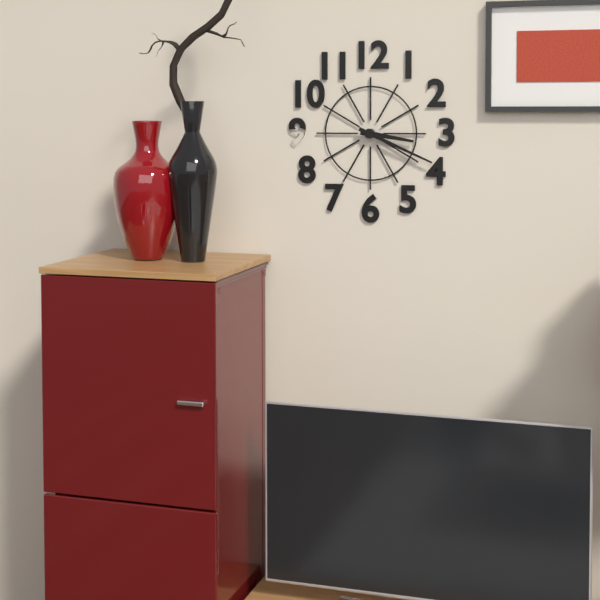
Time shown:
{"hour": 3, "minute": 19}
